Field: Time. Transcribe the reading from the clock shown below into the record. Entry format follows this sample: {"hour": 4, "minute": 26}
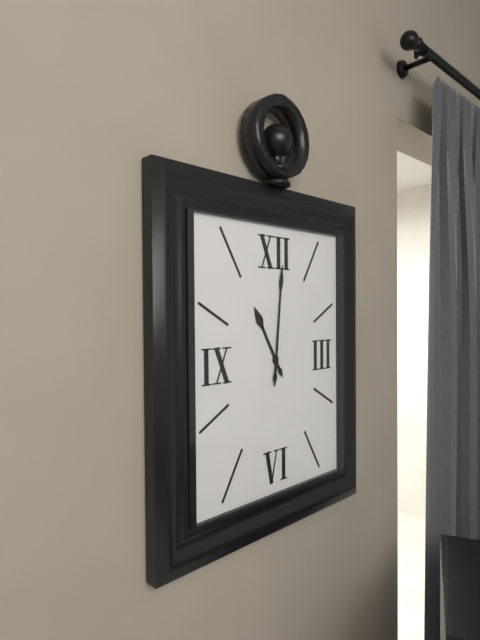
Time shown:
{"hour": 11, "minute": 1}
